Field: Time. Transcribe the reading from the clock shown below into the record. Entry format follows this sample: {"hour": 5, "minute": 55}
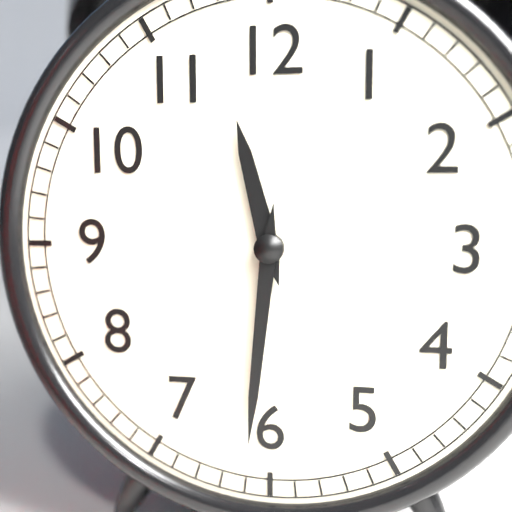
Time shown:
{"hour": 11, "minute": 31}
